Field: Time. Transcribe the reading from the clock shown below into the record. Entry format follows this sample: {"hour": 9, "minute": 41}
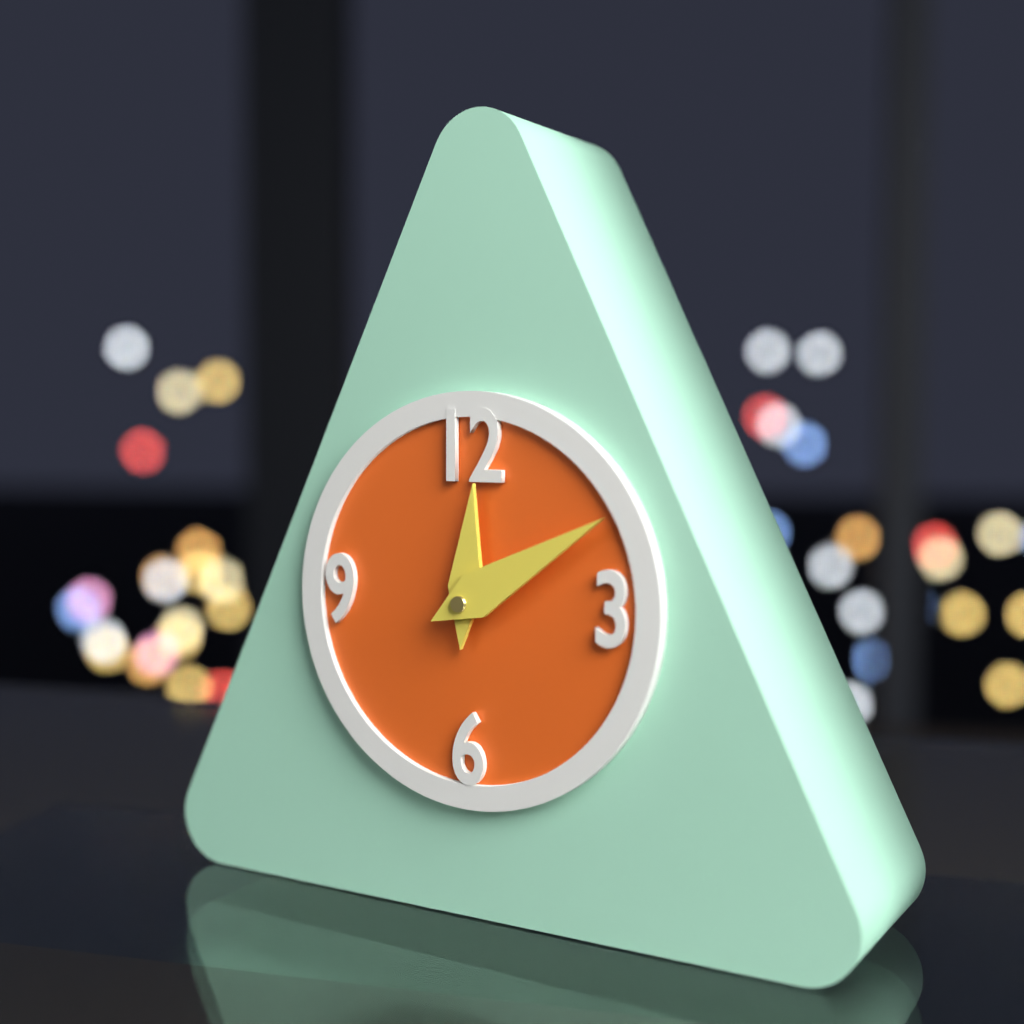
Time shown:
{"hour": 12, "minute": 10}
